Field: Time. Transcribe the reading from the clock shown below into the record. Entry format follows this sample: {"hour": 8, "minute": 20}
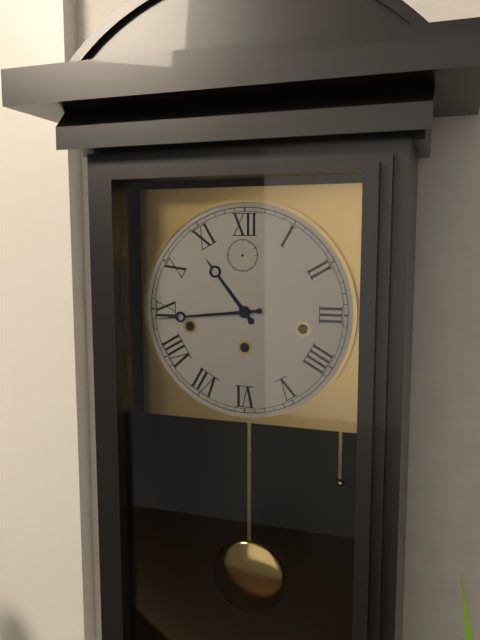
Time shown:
{"hour": 10, "minute": 44}
